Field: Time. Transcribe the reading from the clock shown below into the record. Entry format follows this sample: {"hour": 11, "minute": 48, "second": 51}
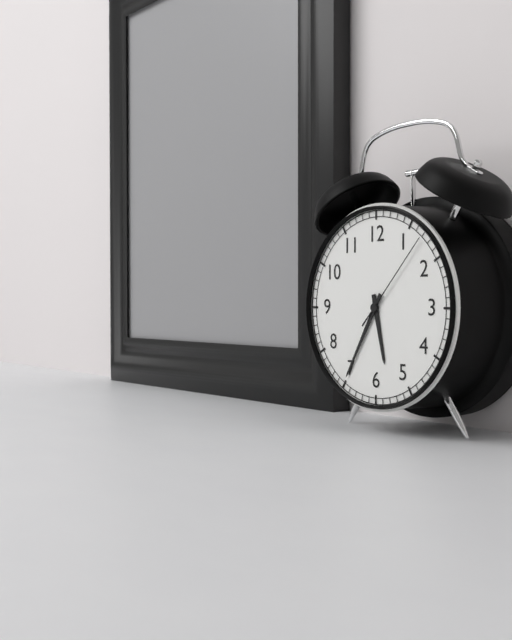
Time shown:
{"hour": 5, "minute": 35, "second": 7}
